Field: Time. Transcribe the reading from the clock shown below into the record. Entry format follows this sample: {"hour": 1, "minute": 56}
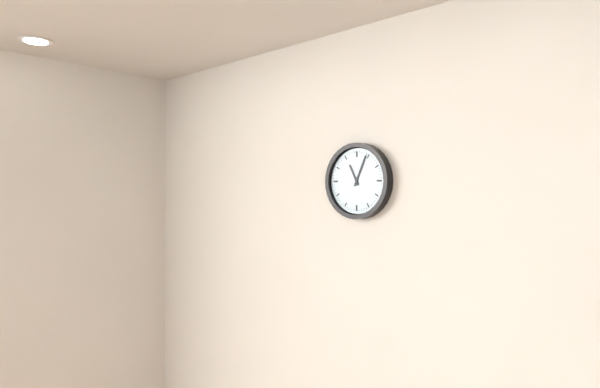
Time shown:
{"hour": 11, "minute": 4}
